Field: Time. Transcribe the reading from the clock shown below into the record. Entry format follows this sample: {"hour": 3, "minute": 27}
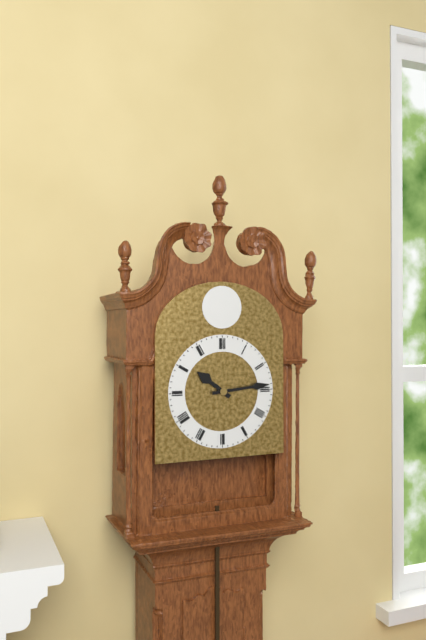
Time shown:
{"hour": 10, "minute": 14}
